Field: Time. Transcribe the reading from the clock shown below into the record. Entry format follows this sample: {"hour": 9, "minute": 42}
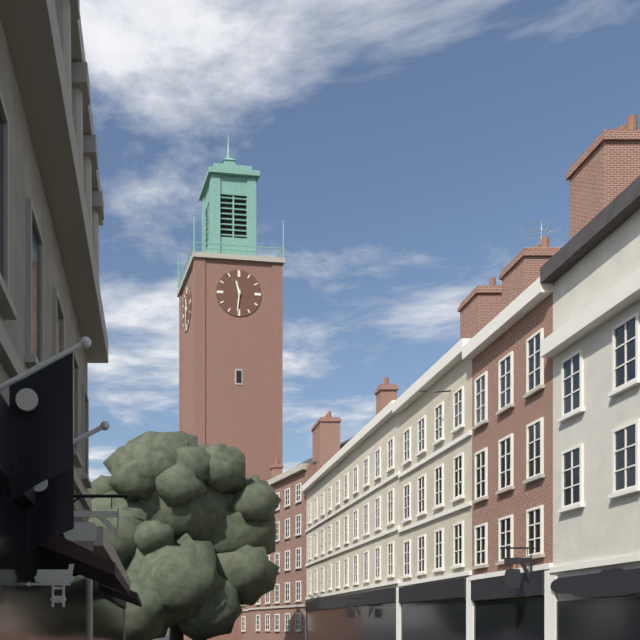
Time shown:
{"hour": 11, "minute": 31}
